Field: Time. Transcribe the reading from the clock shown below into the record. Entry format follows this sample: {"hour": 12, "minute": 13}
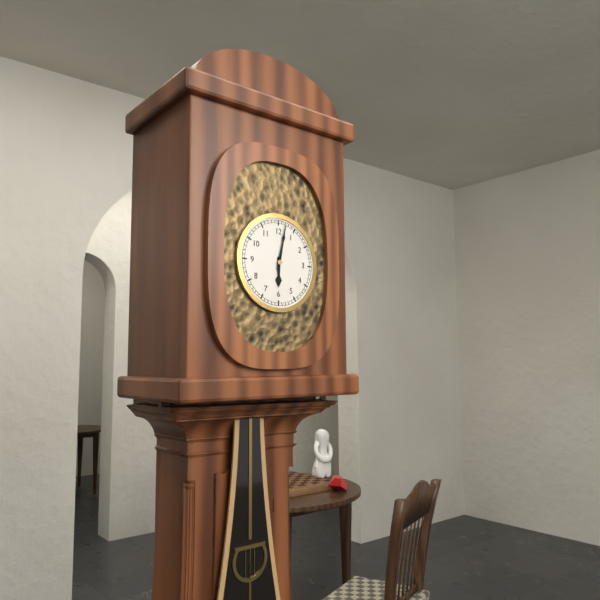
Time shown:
{"hour": 6, "minute": 2}
